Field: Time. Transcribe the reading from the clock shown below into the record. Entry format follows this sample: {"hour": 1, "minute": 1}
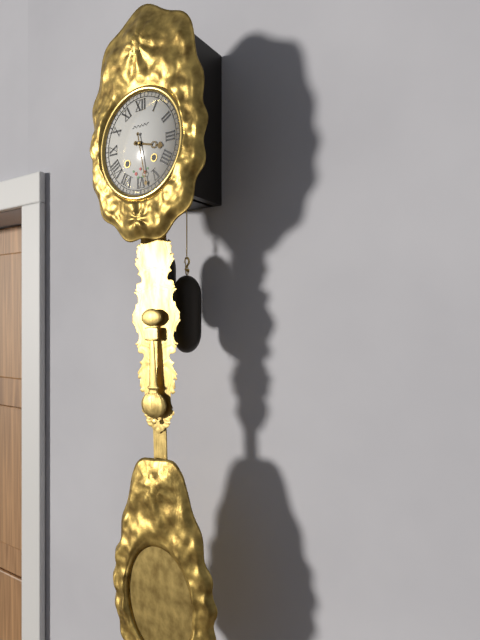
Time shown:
{"hour": 3, "minute": 28}
